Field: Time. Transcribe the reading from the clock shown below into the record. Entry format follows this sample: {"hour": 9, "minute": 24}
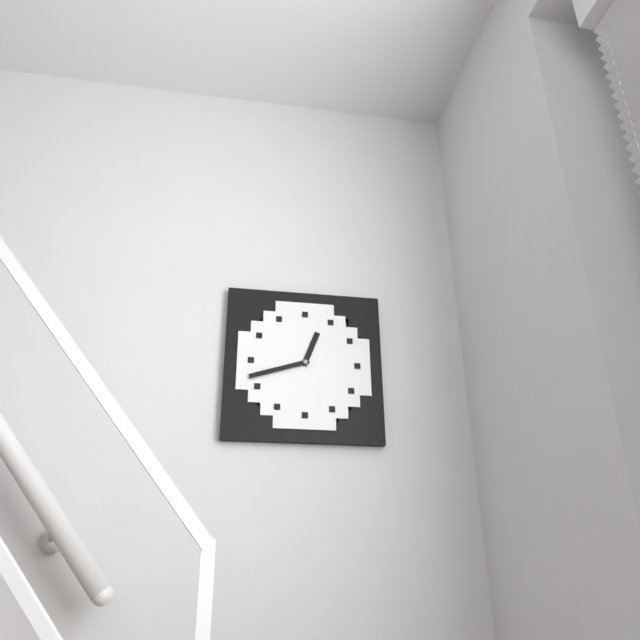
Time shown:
{"hour": 12, "minute": 42}
